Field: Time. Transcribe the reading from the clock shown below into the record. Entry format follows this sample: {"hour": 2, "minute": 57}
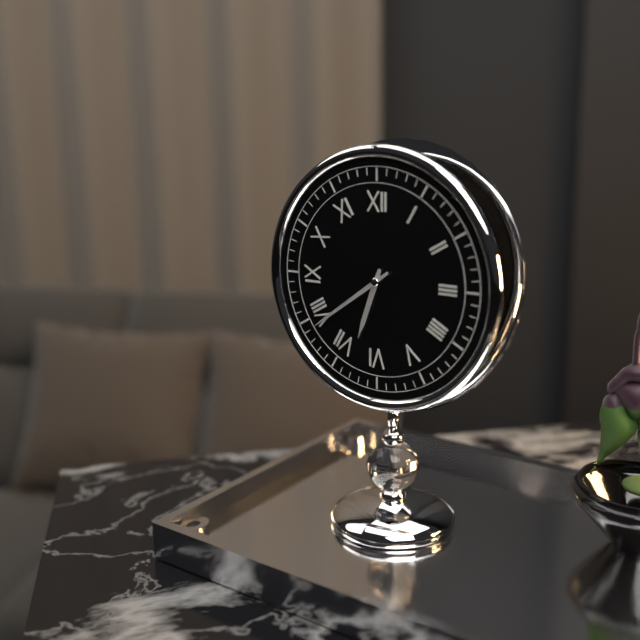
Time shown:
{"hour": 6, "minute": 39}
